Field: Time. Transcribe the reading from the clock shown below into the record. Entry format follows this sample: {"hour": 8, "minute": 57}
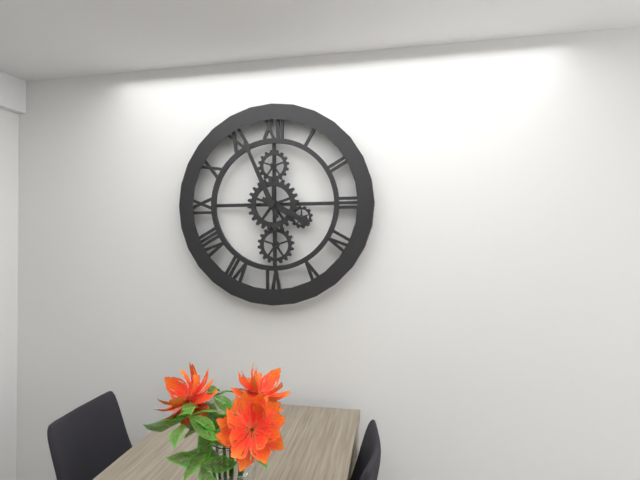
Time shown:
{"hour": 3, "minute": 56}
